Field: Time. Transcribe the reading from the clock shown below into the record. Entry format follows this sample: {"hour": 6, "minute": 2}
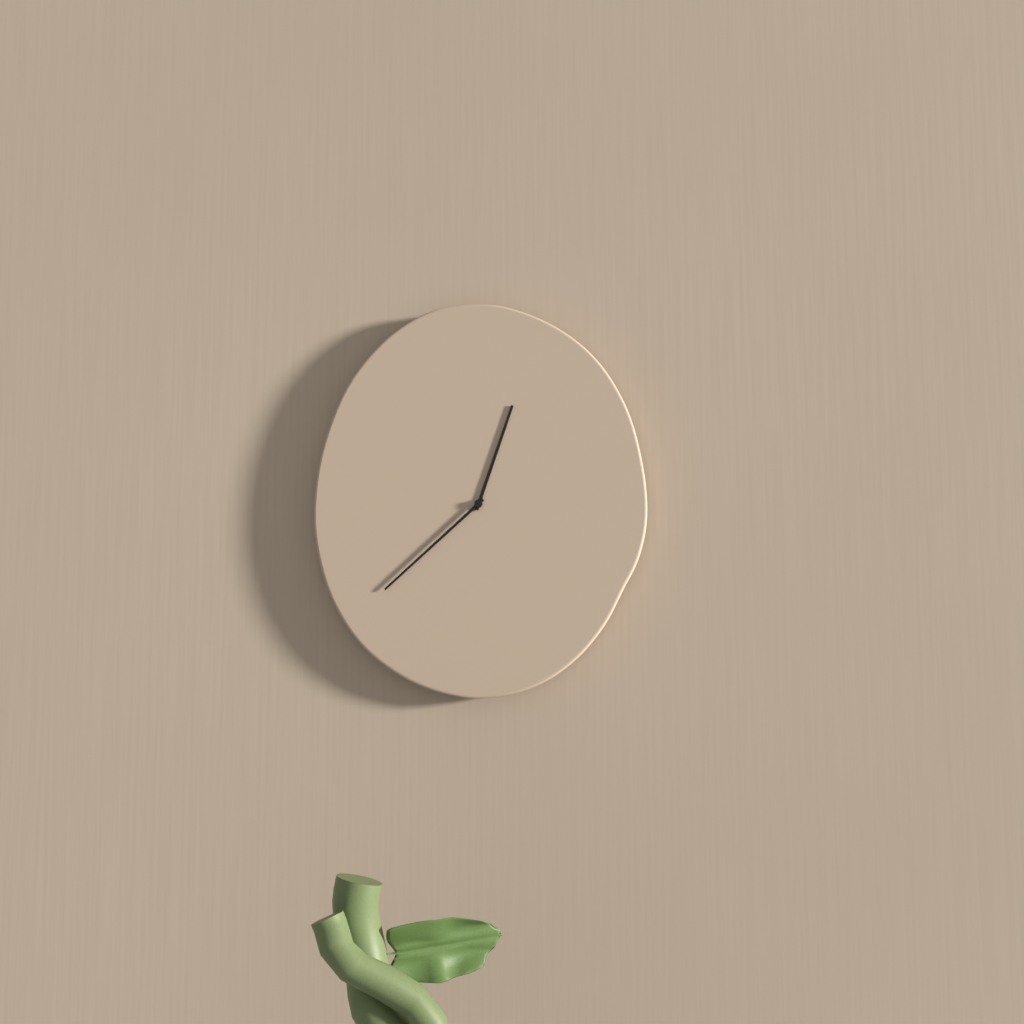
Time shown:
{"hour": 12, "minute": 38}
